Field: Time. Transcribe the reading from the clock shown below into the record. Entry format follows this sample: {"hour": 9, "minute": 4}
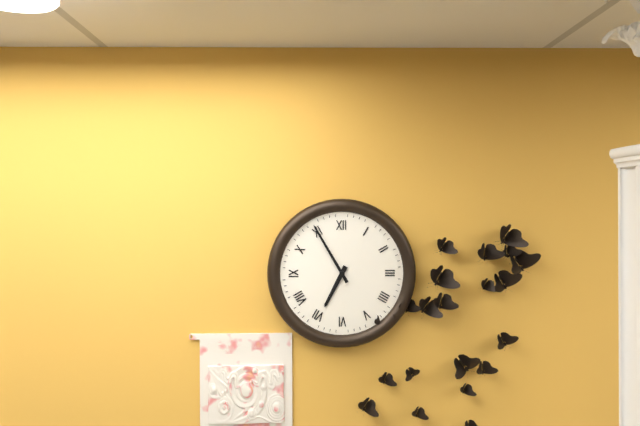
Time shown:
{"hour": 6, "minute": 55}
